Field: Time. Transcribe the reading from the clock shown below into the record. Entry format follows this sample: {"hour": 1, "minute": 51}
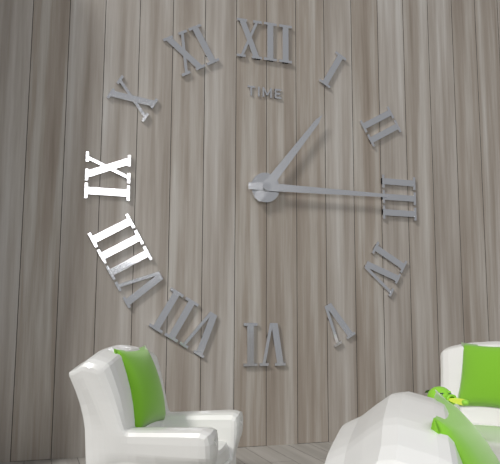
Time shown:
{"hour": 1, "minute": 15}
